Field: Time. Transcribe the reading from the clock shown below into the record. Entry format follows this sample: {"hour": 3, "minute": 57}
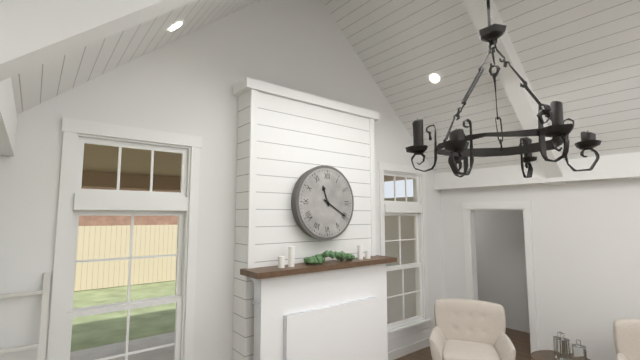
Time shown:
{"hour": 11, "minute": 20}
